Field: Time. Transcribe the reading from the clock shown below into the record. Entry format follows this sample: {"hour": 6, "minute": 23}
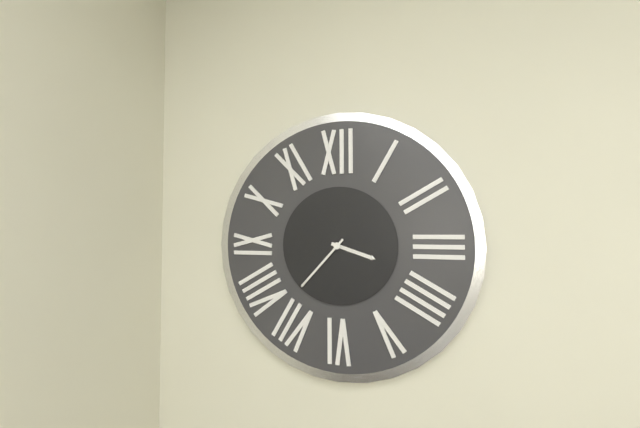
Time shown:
{"hour": 3, "minute": 37}
